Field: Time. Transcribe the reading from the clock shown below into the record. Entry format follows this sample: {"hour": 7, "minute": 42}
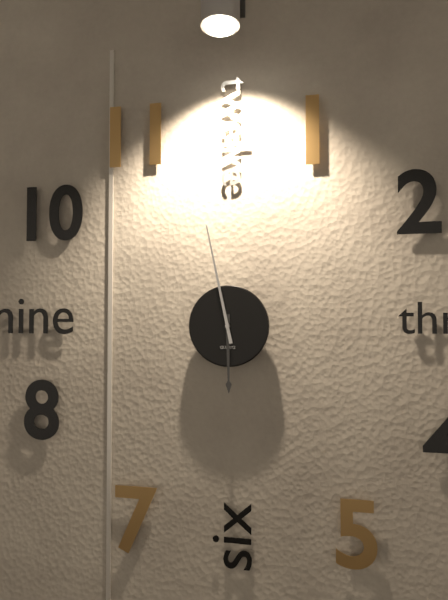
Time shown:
{"hour": 5, "minute": 58}
